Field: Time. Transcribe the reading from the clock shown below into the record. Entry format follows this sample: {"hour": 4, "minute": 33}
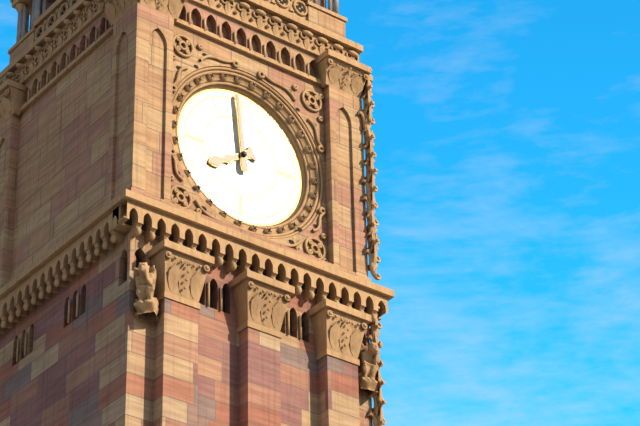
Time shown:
{"hour": 7, "minute": 59}
